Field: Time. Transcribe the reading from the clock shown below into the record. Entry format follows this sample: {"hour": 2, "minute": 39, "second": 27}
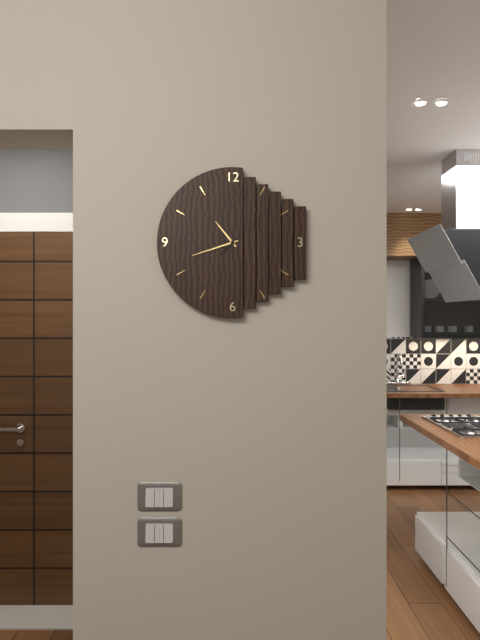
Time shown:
{"hour": 10, "minute": 42, "second": 8}
